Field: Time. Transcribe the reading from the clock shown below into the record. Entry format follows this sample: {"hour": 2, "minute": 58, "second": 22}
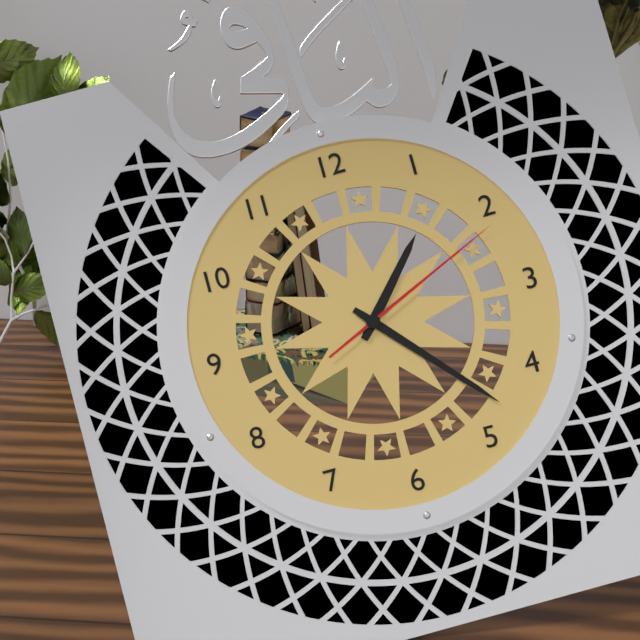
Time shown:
{"hour": 1, "minute": 23, "second": 11}
